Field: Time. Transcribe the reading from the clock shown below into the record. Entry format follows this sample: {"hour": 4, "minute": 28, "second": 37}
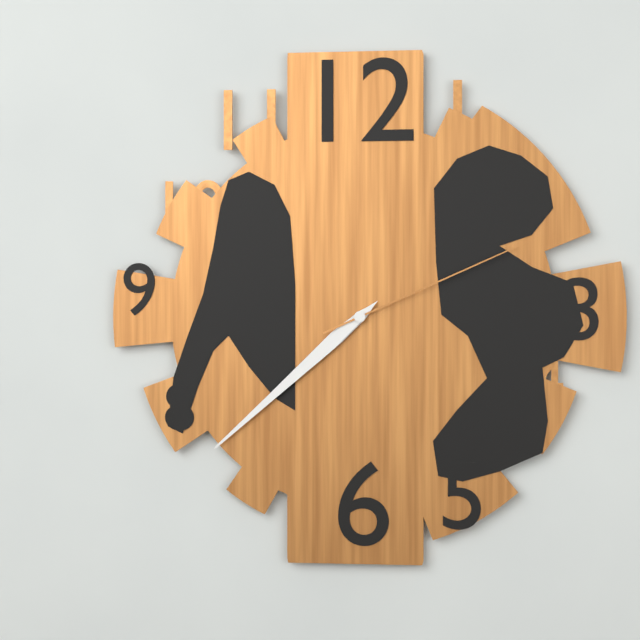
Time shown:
{"hour": 7, "minute": 38, "second": 11}
